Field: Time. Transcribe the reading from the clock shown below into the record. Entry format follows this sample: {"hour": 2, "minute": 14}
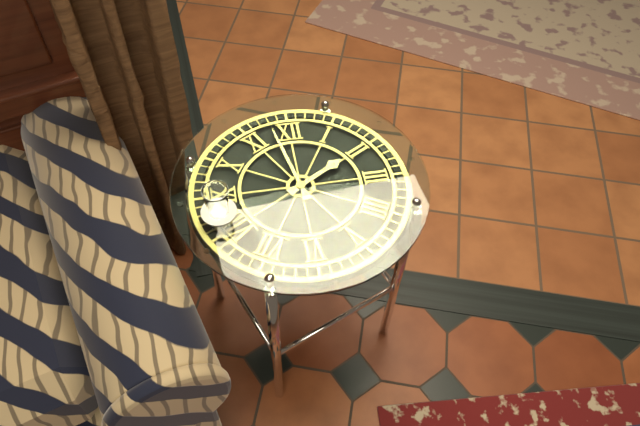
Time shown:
{"hour": 1, "minute": 58}
